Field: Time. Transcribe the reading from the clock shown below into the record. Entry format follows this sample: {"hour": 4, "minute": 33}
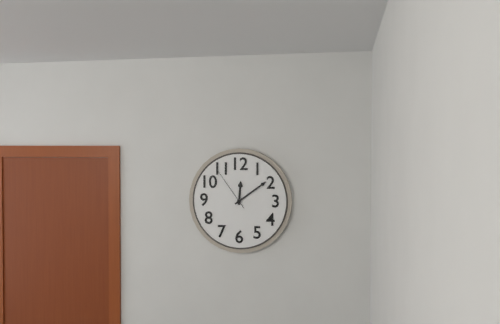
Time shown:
{"hour": 12, "minute": 9}
